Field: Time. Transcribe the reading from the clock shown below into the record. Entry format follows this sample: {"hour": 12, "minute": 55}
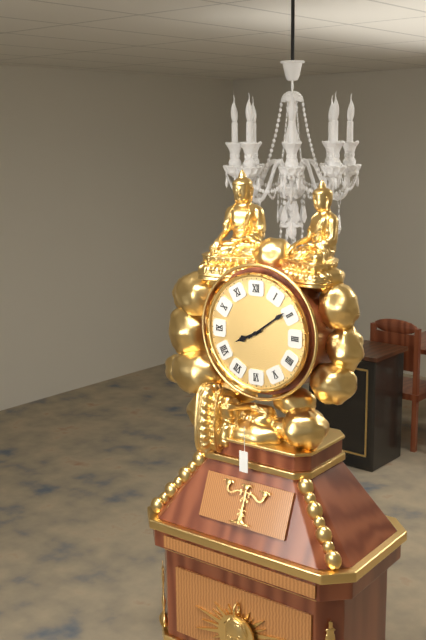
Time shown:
{"hour": 8, "minute": 9}
